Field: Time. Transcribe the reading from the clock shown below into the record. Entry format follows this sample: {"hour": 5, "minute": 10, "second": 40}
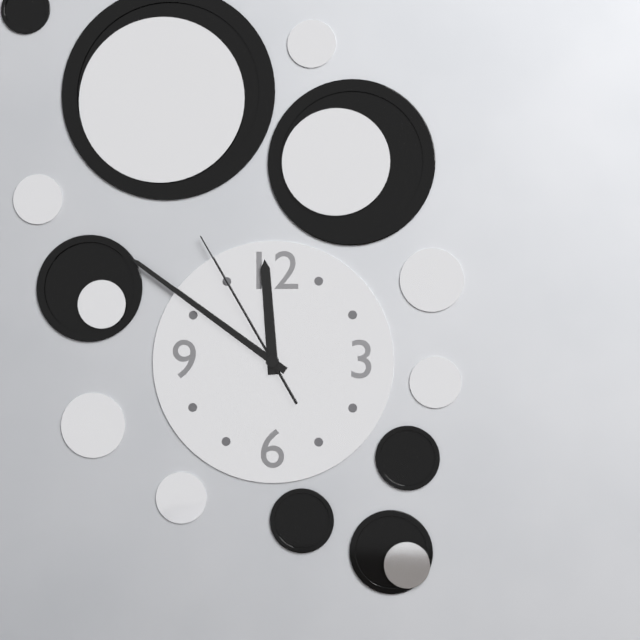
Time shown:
{"hour": 11, "minute": 51, "second": 55}
